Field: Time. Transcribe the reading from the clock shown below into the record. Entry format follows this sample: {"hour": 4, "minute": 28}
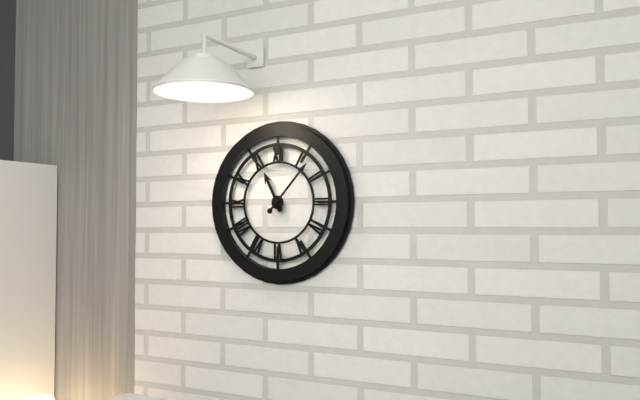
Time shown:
{"hour": 11, "minute": 7}
